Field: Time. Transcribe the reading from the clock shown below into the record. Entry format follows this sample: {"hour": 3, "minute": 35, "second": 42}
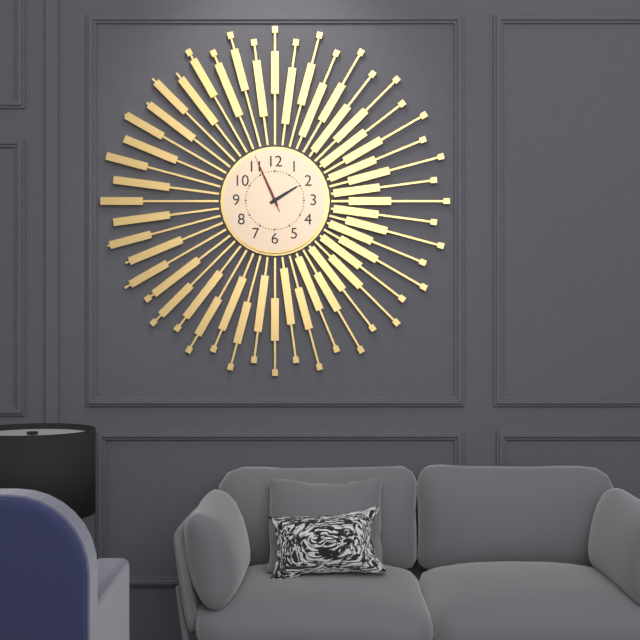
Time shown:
{"hour": 1, "minute": 56, "second": 56}
